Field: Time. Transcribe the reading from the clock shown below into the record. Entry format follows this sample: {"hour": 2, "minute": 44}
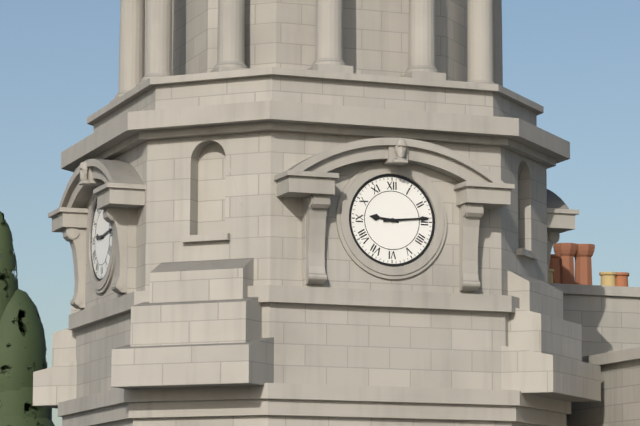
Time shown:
{"hour": 9, "minute": 14}
